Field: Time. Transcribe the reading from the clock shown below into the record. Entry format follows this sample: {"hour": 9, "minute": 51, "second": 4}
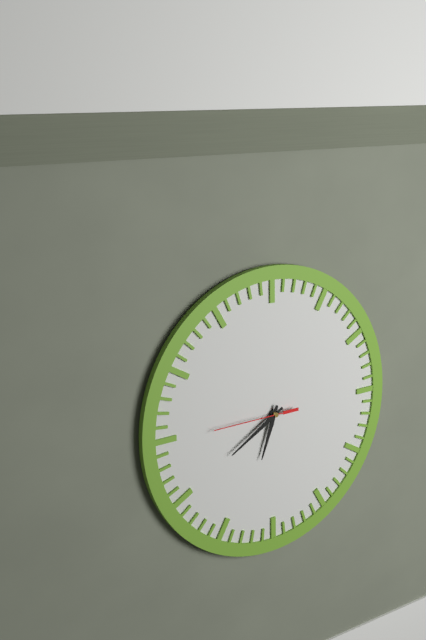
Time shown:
{"hour": 6, "minute": 40, "second": 45}
